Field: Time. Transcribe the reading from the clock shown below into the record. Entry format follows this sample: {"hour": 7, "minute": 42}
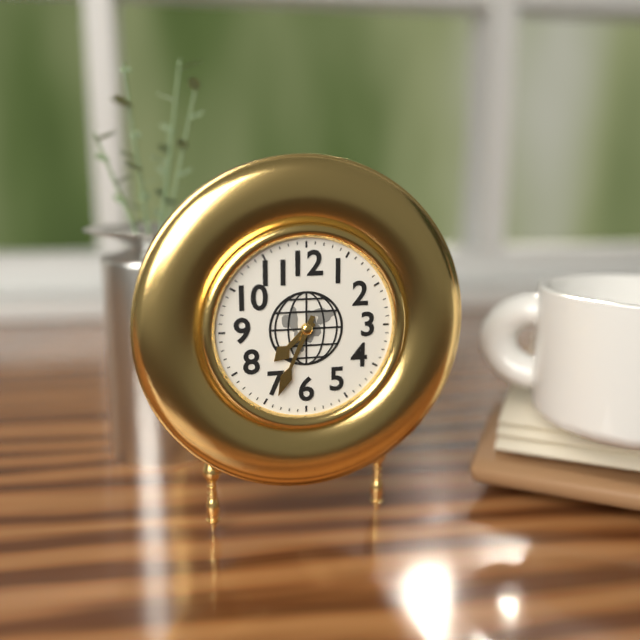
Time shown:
{"hour": 7, "minute": 34}
